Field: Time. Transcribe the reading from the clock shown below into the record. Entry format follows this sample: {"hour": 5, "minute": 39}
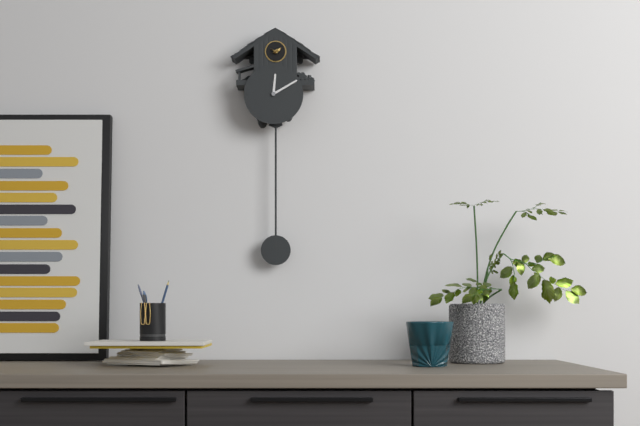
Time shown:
{"hour": 12, "minute": 10}
